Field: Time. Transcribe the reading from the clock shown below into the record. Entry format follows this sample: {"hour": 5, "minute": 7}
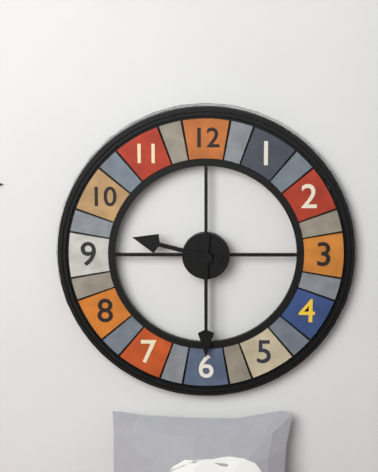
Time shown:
{"hour": 9, "minute": 30}
